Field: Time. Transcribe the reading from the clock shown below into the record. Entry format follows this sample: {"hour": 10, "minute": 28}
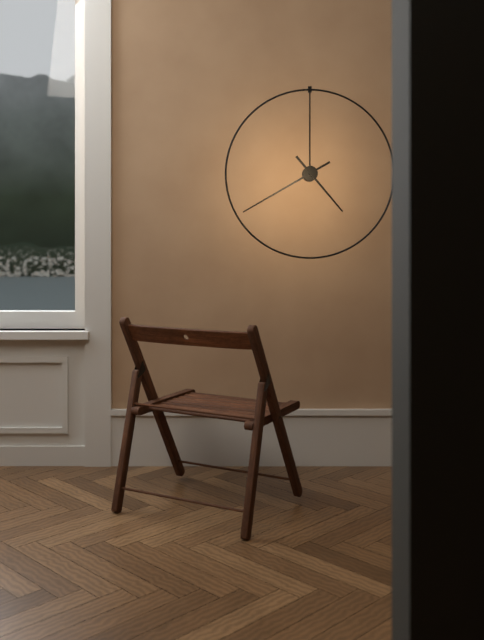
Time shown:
{"hour": 4, "minute": 40}
